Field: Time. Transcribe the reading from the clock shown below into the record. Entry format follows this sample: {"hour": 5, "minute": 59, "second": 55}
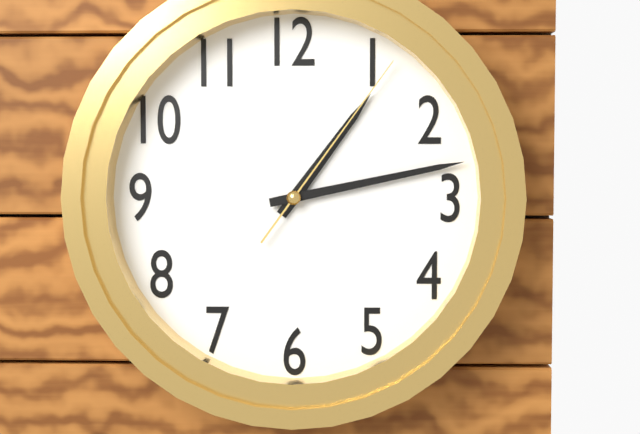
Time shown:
{"hour": 1, "minute": 13, "second": 6}
